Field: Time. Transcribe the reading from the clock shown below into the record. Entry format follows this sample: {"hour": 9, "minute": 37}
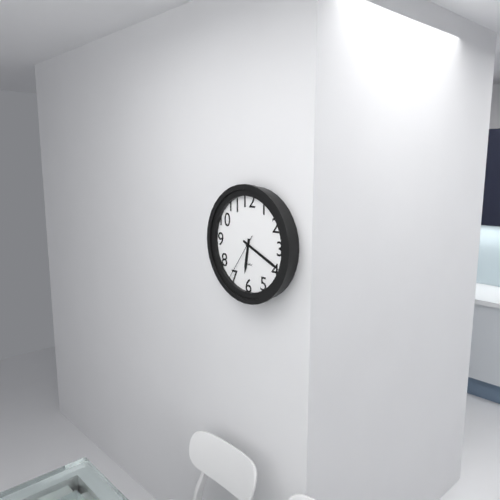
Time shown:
{"hour": 6, "minute": 19}
